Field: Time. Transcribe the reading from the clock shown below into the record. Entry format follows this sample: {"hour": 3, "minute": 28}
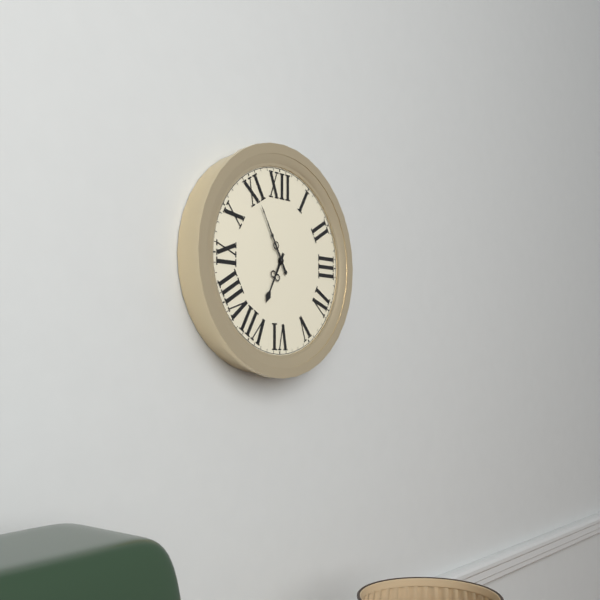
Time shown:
{"hour": 6, "minute": 55}
